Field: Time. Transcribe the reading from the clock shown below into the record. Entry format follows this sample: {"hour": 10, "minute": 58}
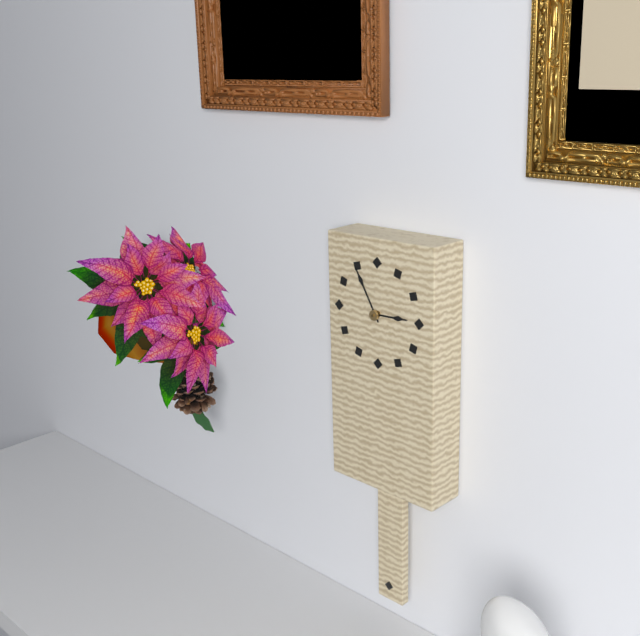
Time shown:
{"hour": 2, "minute": 55}
